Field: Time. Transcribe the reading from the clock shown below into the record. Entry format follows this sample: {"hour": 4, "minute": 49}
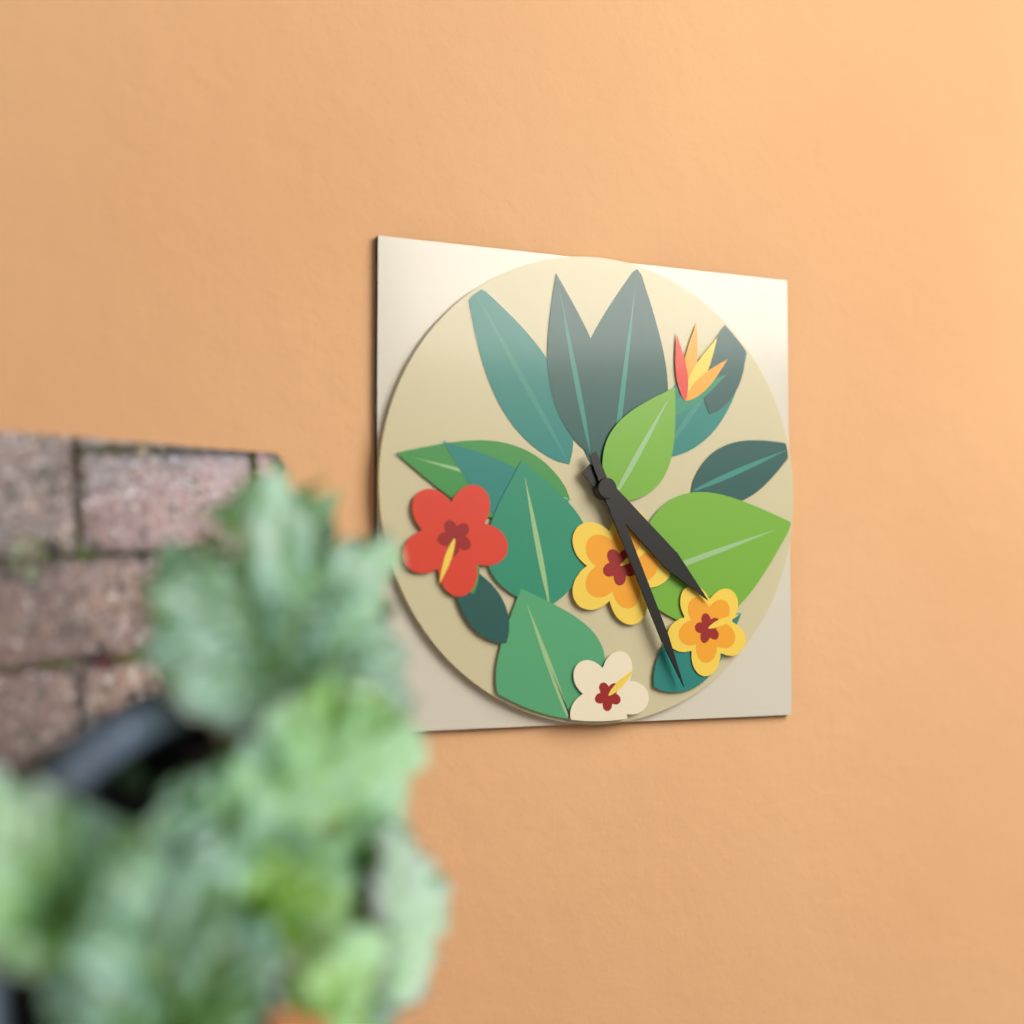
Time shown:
{"hour": 4, "minute": 26}
